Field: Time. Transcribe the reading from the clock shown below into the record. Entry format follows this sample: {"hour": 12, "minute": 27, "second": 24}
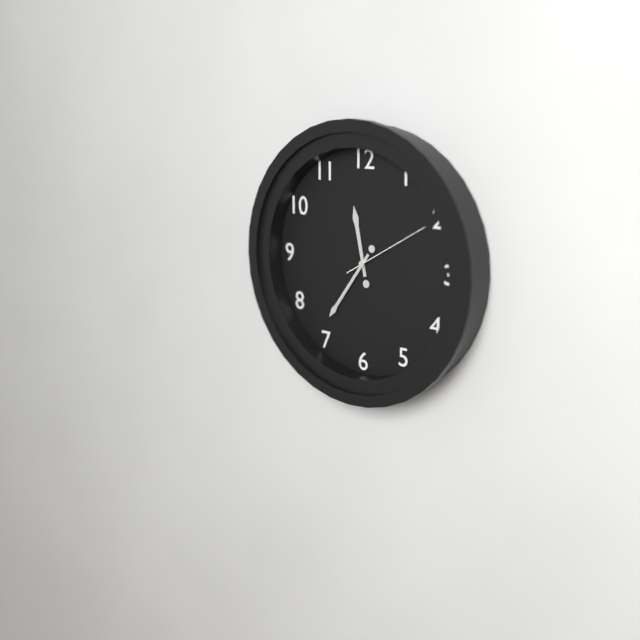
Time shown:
{"hour": 11, "minute": 36, "second": 10}
